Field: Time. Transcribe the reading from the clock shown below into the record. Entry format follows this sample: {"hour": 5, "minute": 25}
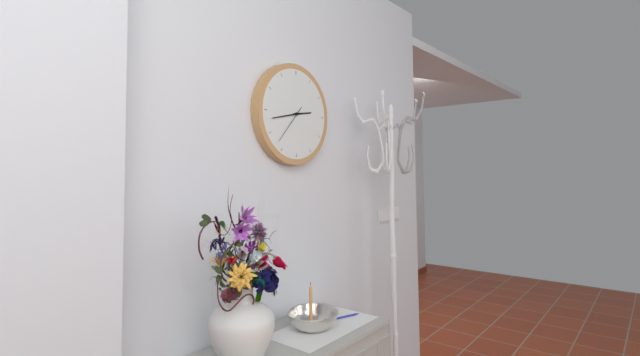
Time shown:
{"hour": 2, "minute": 43}
